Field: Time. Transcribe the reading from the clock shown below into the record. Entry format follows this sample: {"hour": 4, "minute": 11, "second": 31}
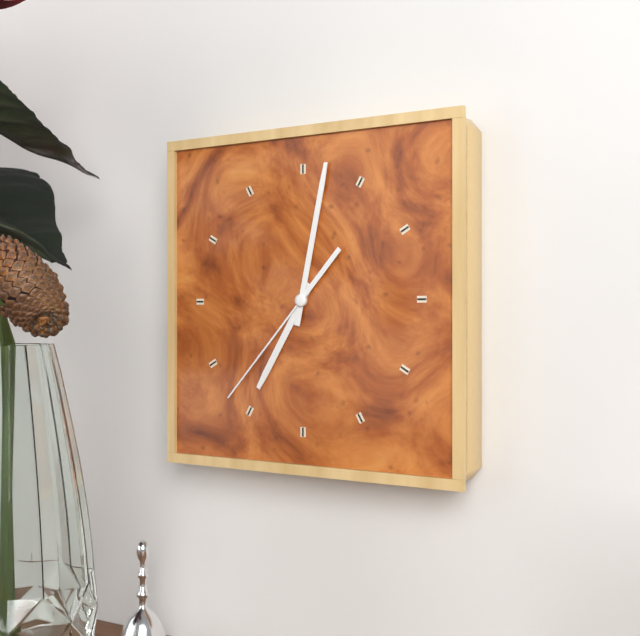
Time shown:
{"hour": 7, "minute": 2, "second": 37}
